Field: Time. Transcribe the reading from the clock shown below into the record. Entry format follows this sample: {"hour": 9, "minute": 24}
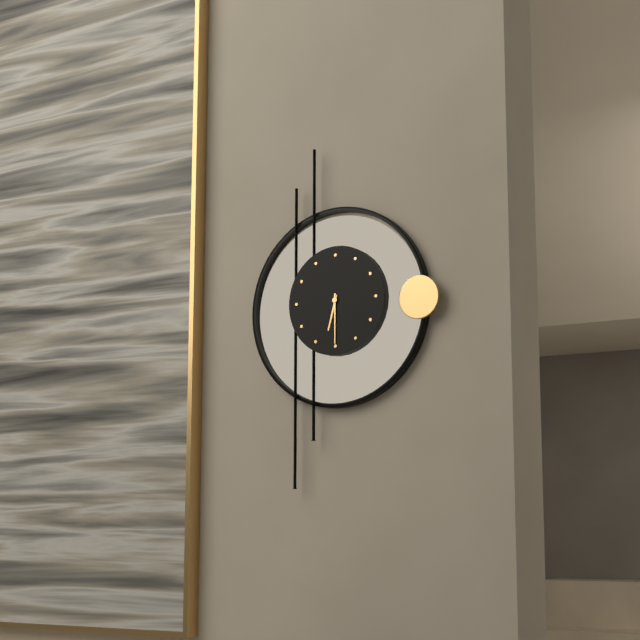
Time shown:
{"hour": 6, "minute": 30}
